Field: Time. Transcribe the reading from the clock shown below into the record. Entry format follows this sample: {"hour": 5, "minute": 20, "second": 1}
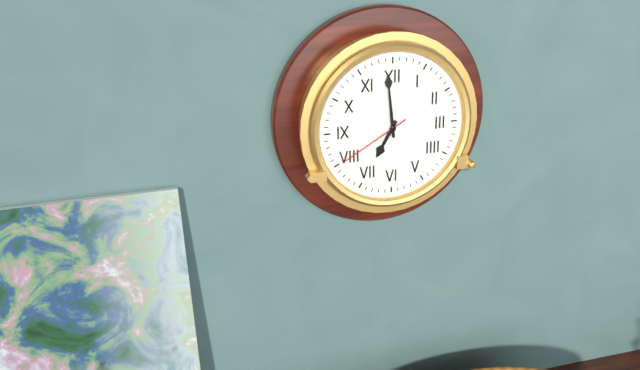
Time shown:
{"hour": 6, "minute": 59, "second": 40}
